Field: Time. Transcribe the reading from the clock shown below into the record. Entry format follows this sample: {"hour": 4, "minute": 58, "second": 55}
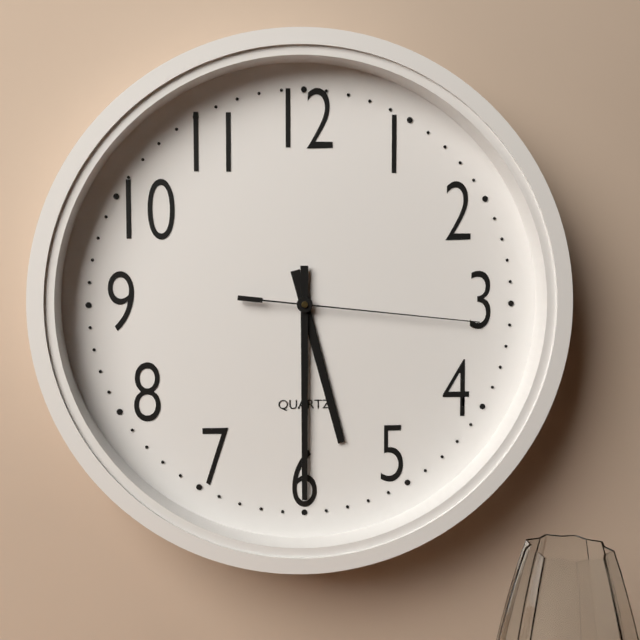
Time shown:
{"hour": 5, "minute": 30, "second": 16}
